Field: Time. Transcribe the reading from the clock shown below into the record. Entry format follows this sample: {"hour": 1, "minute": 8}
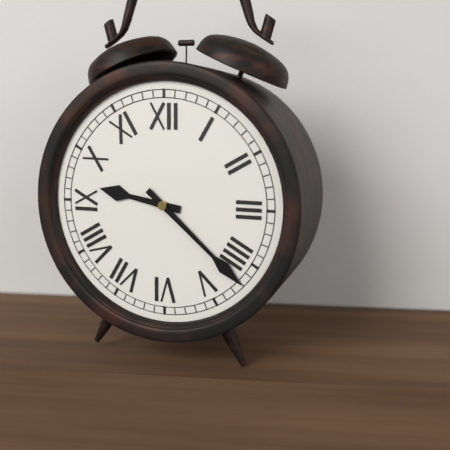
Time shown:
{"hour": 9, "minute": 22}
